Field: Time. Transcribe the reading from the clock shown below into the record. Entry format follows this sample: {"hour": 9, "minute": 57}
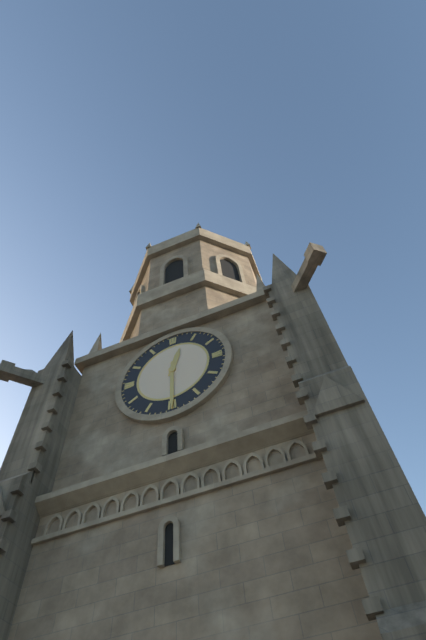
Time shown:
{"hour": 12, "minute": 30}
